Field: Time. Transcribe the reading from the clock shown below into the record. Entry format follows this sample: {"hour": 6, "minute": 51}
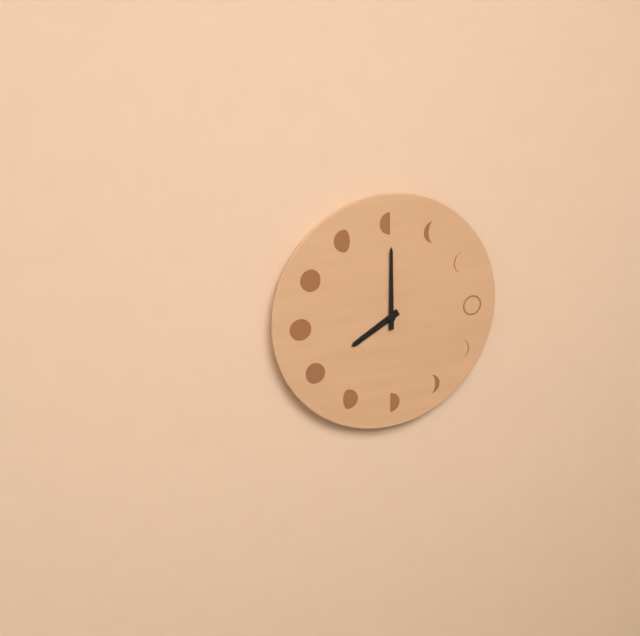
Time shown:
{"hour": 8, "minute": 0}
